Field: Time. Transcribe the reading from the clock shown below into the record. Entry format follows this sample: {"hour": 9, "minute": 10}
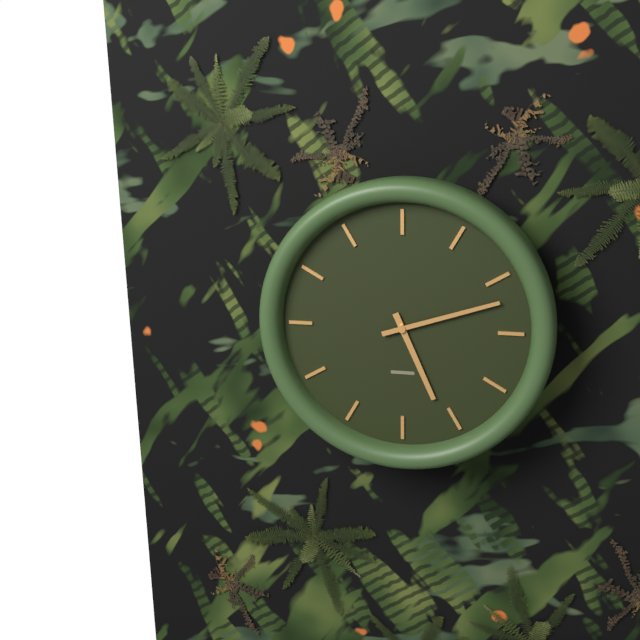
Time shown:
{"hour": 5, "minute": 12}
